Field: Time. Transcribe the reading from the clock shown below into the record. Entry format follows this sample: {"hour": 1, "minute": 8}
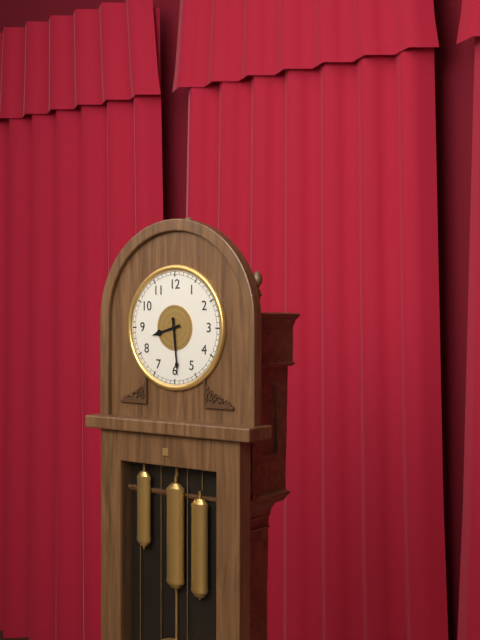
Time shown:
{"hour": 8, "minute": 29}
